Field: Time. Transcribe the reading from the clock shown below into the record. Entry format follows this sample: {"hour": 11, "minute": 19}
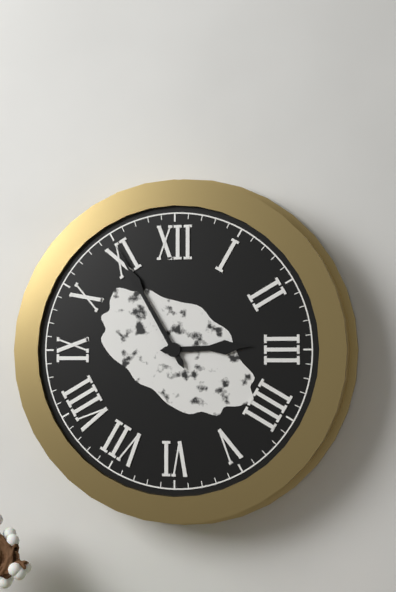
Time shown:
{"hour": 2, "minute": 55}
